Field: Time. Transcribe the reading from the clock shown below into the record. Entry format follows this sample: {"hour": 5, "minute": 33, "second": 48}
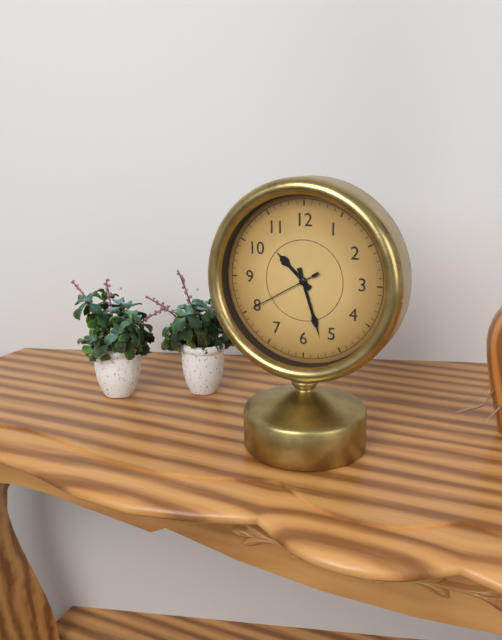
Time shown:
{"hour": 10, "minute": 27, "second": 40}
